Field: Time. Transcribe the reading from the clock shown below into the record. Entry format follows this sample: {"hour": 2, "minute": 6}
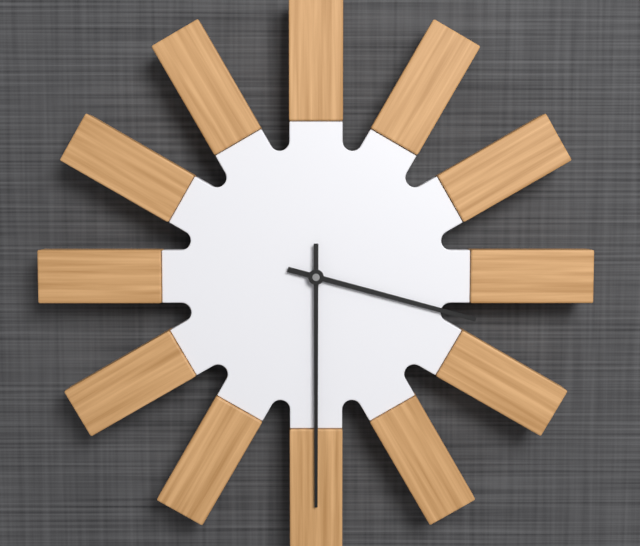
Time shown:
{"hour": 3, "minute": 30}
